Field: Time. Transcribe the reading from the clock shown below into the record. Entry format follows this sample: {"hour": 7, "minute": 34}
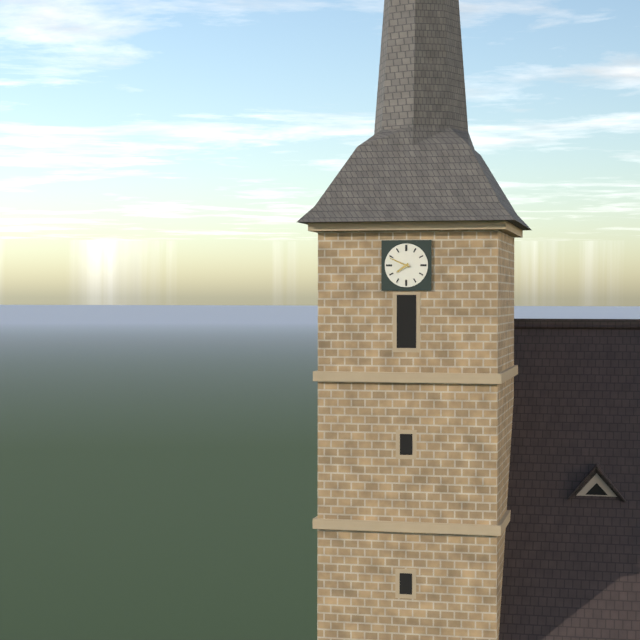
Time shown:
{"hour": 7, "minute": 49}
